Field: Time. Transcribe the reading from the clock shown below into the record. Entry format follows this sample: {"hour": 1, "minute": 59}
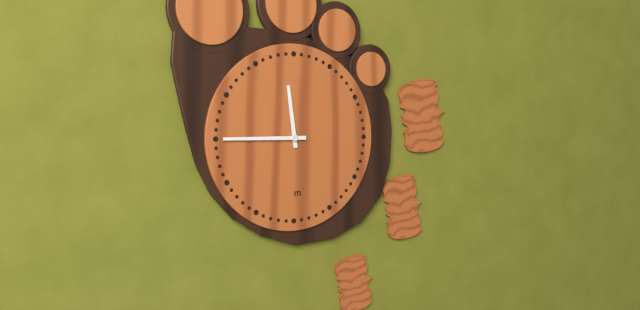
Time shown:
{"hour": 11, "minute": 45}
